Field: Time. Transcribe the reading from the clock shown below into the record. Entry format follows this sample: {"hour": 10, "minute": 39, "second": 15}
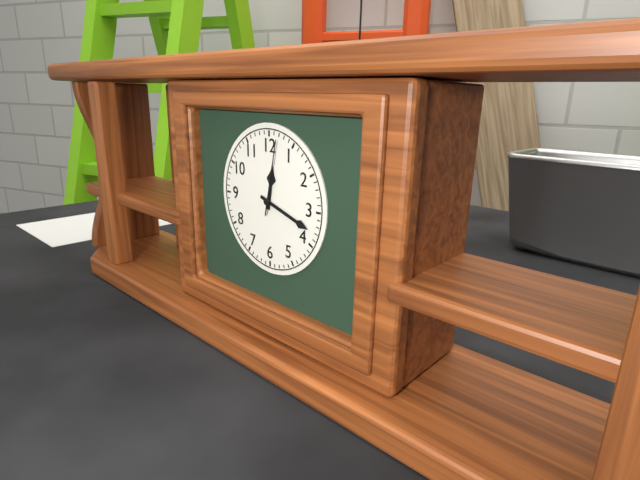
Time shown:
{"hour": 12, "minute": 18, "second": 2}
